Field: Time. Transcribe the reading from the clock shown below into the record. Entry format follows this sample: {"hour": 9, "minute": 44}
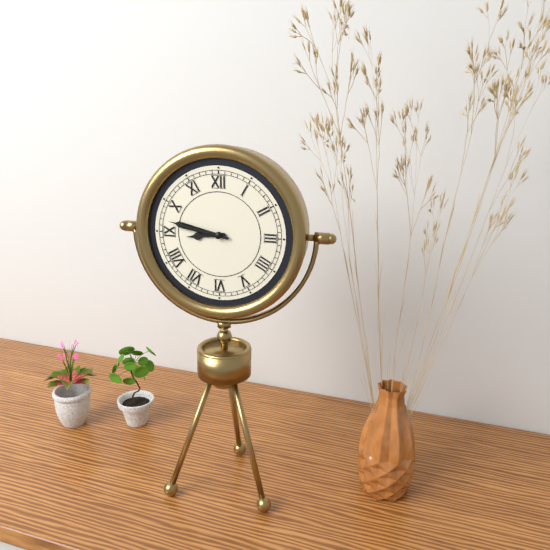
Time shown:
{"hour": 8, "minute": 47}
